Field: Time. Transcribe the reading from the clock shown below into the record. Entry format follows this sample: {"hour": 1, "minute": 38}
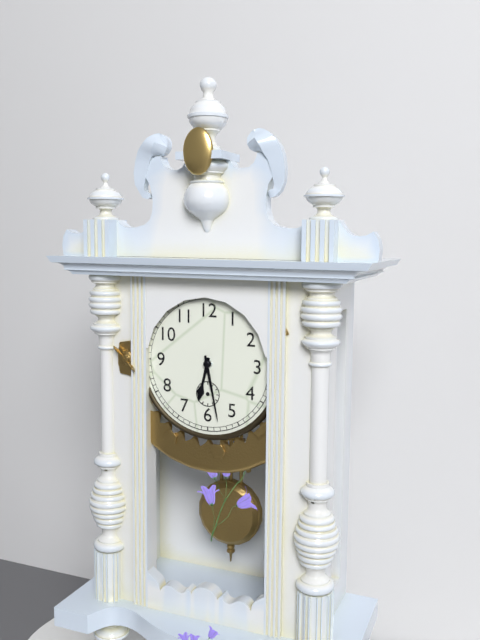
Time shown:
{"hour": 6, "minute": 28}
